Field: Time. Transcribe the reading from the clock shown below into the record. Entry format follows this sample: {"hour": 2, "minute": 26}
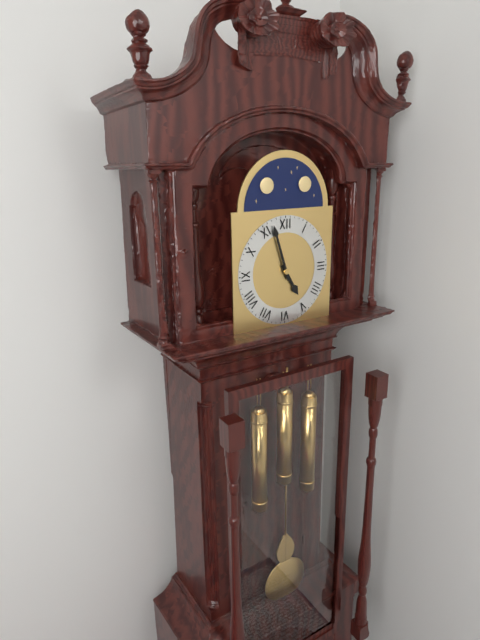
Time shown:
{"hour": 4, "minute": 57}
